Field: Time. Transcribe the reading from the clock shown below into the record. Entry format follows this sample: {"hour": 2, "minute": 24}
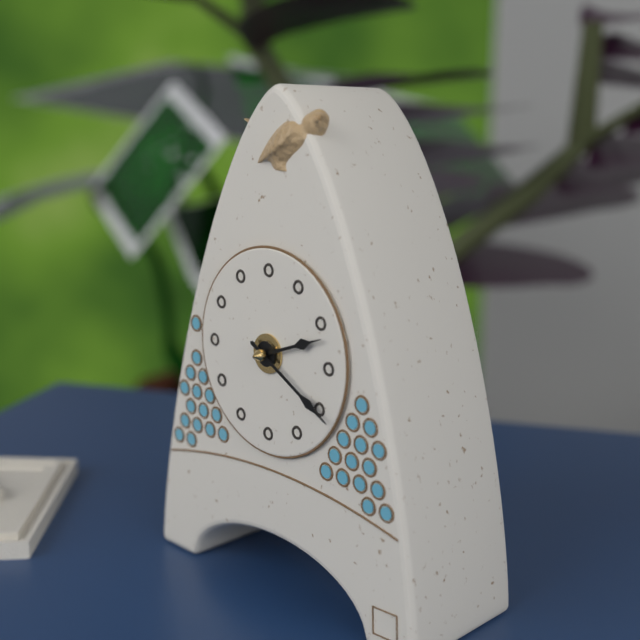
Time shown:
{"hour": 2, "minute": 20}
